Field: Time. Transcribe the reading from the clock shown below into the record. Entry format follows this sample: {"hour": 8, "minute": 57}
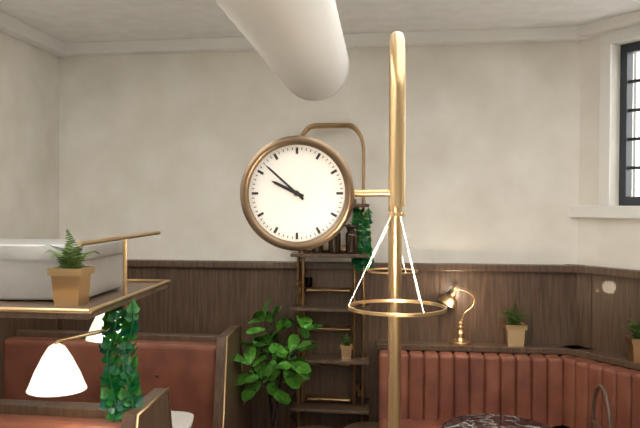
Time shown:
{"hour": 9, "minute": 52}
